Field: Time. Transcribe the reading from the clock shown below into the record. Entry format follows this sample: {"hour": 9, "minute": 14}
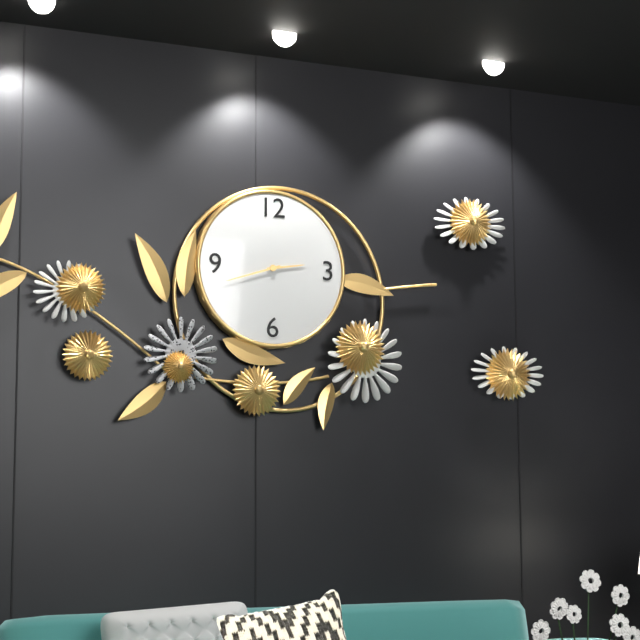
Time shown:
{"hour": 2, "minute": 42}
